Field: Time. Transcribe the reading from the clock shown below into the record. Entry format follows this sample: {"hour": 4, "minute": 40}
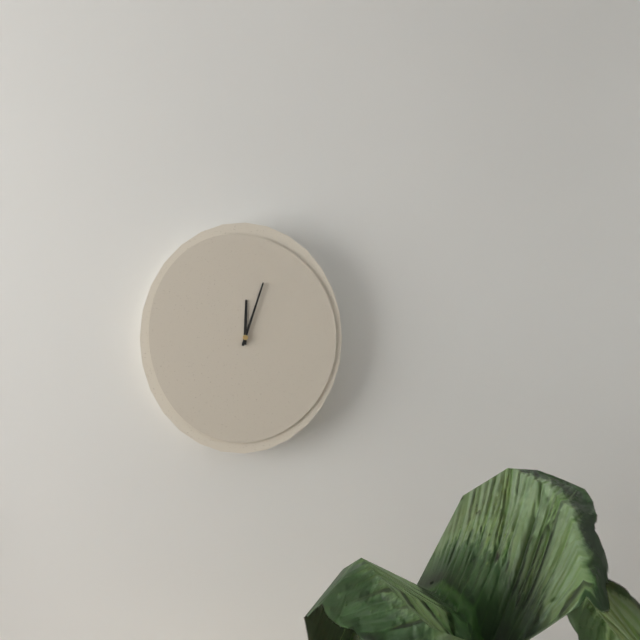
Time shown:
{"hour": 12, "minute": 3}
